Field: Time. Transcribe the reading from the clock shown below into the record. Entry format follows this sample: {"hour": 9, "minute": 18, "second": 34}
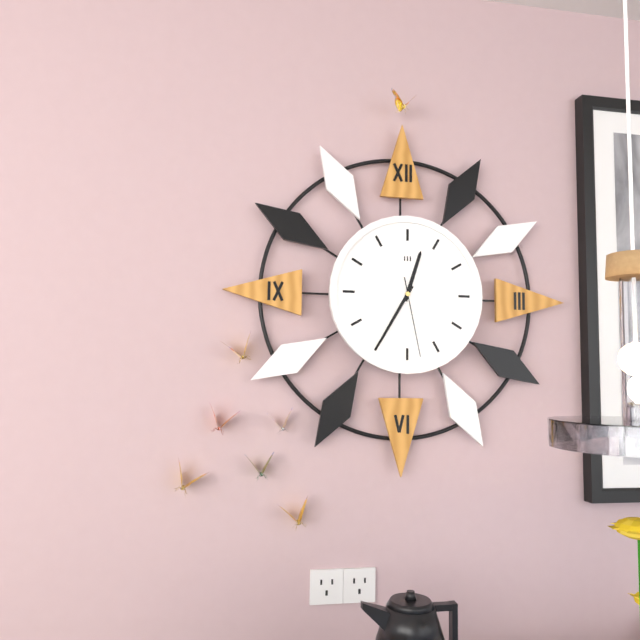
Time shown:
{"hour": 12, "minute": 35, "second": 28}
